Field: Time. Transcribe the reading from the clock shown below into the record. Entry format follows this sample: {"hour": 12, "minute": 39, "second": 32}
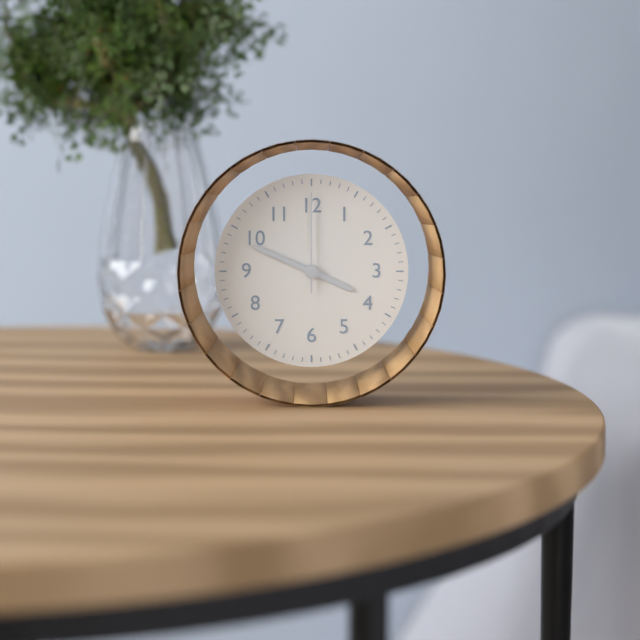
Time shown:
{"hour": 3, "minute": 49, "second": 0}
